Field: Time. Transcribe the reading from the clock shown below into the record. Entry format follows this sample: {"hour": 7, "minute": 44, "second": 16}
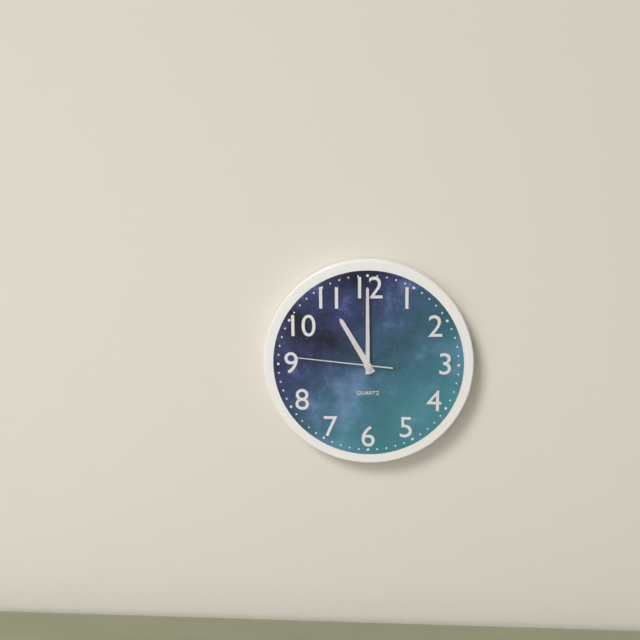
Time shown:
{"hour": 11, "minute": 0, "second": 46}
